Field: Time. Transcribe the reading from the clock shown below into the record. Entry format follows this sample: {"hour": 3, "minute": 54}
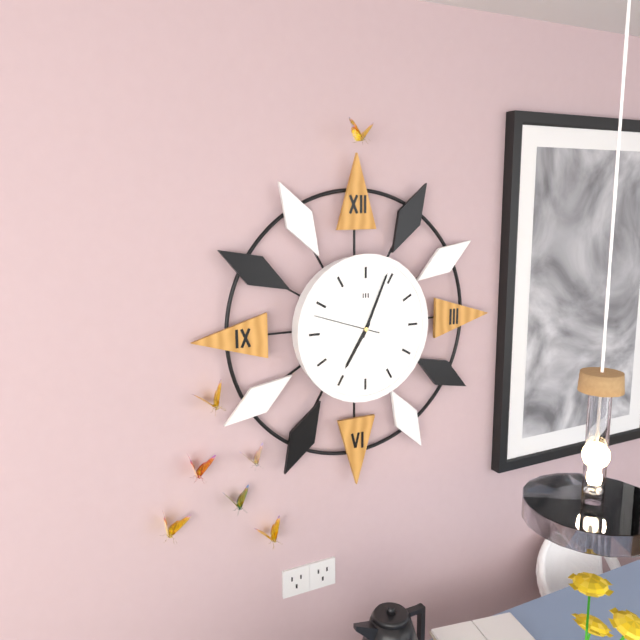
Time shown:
{"hour": 7, "minute": 4}
